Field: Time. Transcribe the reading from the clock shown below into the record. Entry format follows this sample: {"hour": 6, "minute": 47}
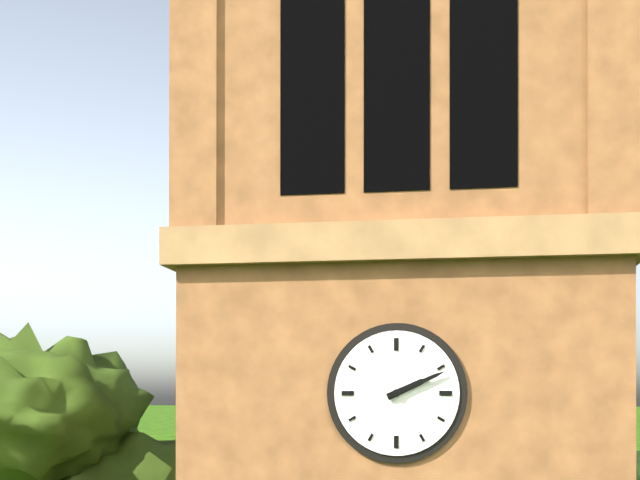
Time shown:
{"hour": 2, "minute": 11}
